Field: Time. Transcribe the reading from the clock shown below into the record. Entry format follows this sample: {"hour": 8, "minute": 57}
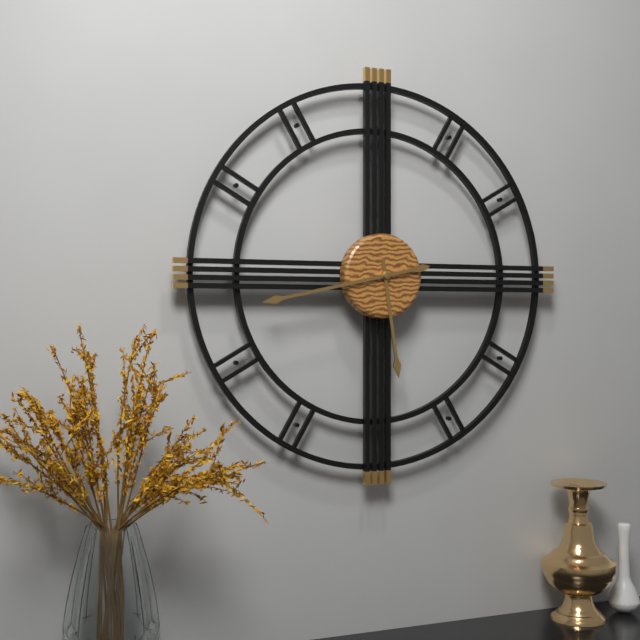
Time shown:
{"hour": 5, "minute": 43}
